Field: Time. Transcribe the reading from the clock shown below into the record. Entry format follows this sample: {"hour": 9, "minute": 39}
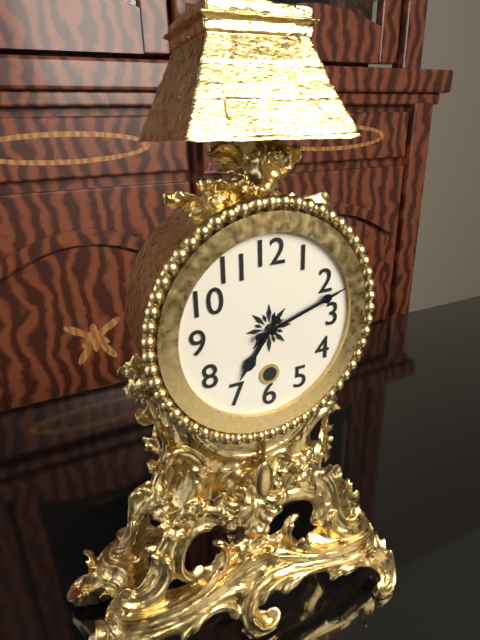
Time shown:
{"hour": 7, "minute": 12}
